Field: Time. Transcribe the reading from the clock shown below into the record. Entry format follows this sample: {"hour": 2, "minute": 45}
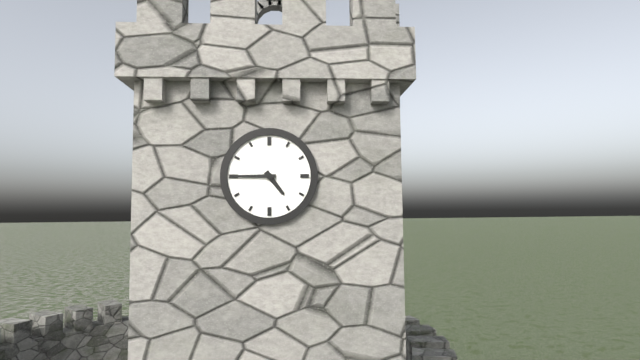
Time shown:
{"hour": 4, "minute": 45}
